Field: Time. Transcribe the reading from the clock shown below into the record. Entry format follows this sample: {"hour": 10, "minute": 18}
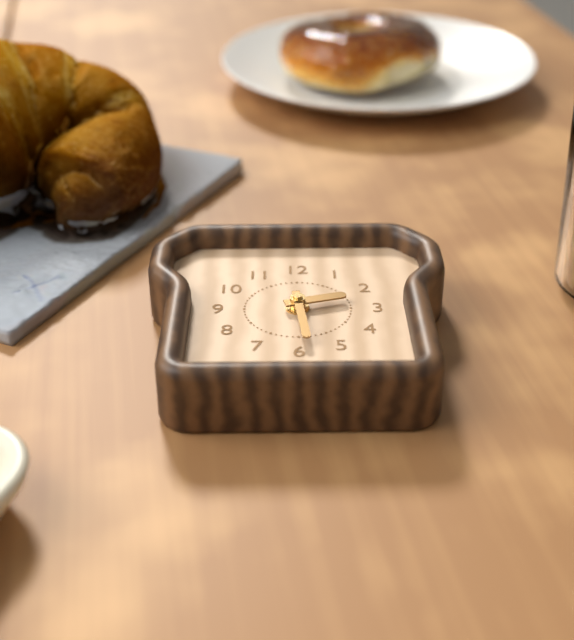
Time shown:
{"hour": 2, "minute": 29}
